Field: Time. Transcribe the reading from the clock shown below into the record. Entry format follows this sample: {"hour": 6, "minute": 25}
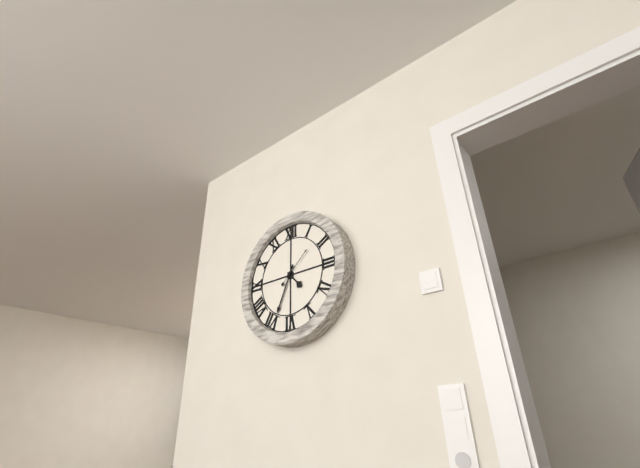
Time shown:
{"hour": 4, "minute": 34}
